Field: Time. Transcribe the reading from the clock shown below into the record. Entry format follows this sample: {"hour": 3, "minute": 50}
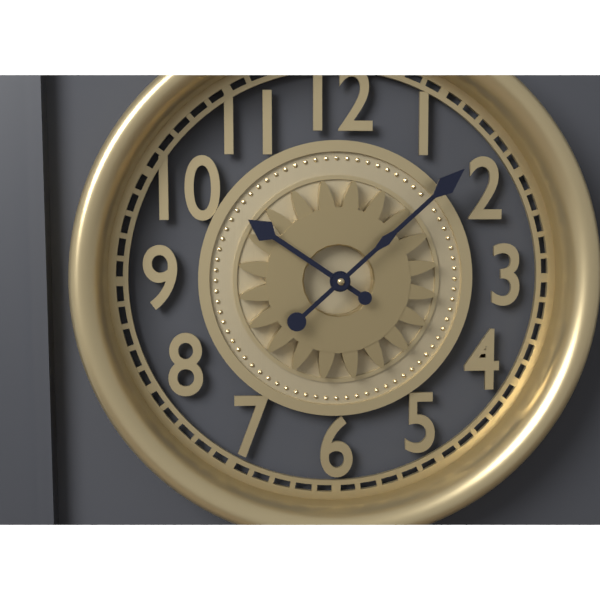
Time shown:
{"hour": 10, "minute": 8}
